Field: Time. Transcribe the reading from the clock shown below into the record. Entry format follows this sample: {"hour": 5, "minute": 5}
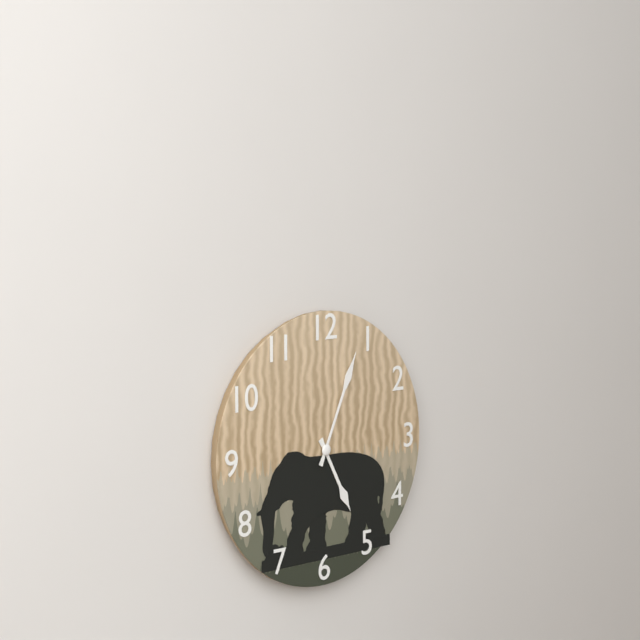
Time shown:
{"hour": 5, "minute": 4}
